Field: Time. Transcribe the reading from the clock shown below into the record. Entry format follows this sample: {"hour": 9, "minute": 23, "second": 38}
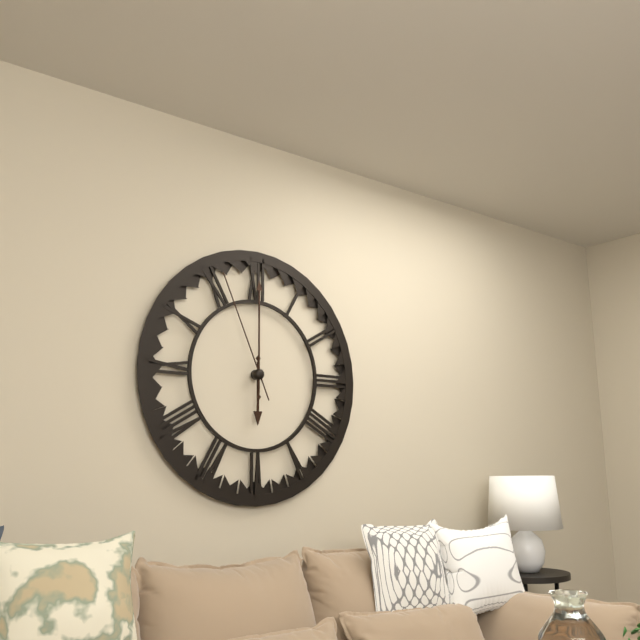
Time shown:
{"hour": 6, "minute": 0, "second": 56}
